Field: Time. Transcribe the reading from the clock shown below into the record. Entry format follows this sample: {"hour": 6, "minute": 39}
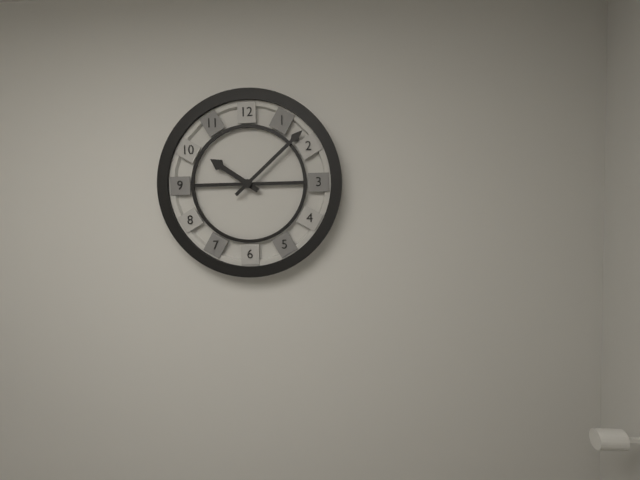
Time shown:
{"hour": 10, "minute": 8}
